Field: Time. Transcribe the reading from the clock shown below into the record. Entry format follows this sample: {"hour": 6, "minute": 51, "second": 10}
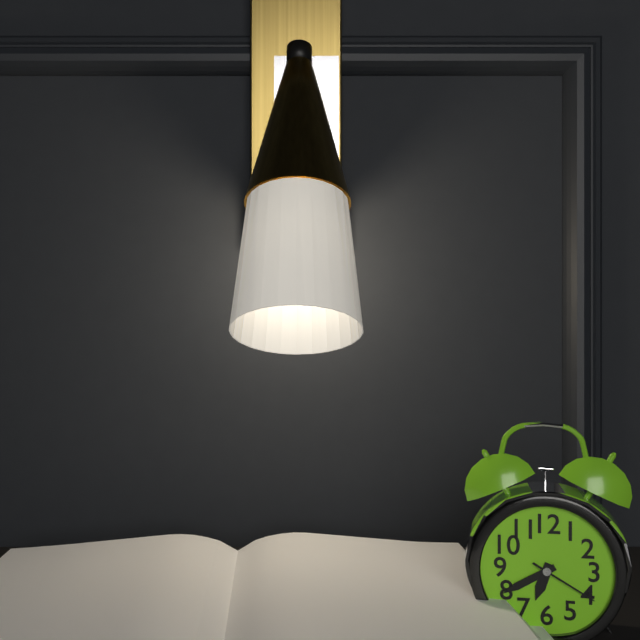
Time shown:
{"hour": 6, "minute": 40, "second": 20}
